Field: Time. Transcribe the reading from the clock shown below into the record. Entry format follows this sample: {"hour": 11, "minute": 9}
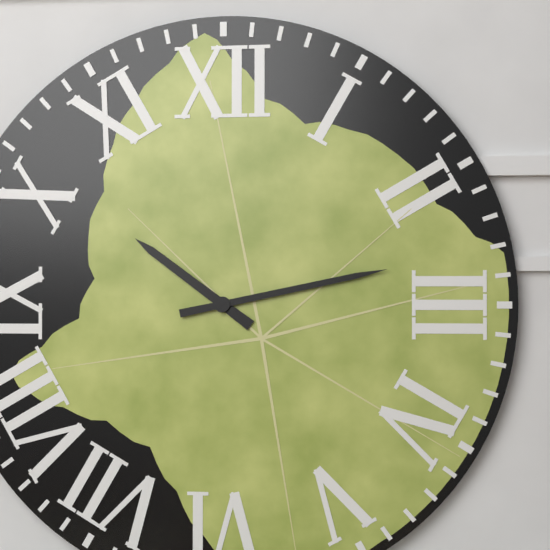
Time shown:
{"hour": 10, "minute": 13}
